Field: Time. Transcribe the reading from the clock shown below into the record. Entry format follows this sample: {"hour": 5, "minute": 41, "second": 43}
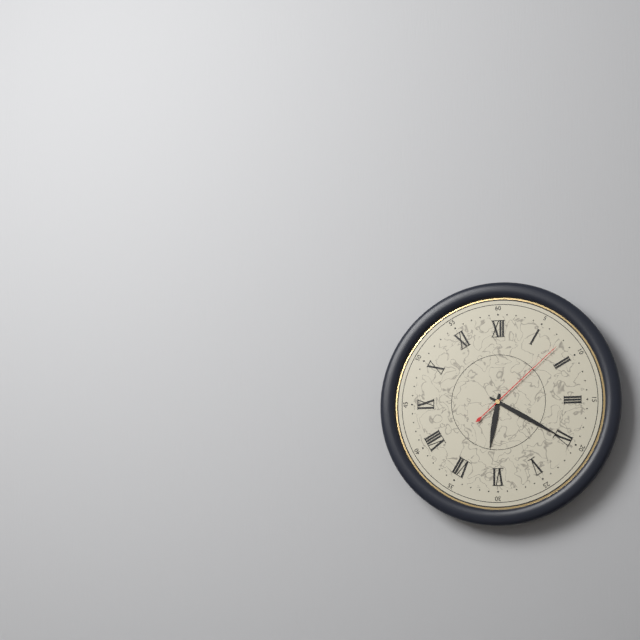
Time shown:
{"hour": 6, "minute": 20, "second": 8}
